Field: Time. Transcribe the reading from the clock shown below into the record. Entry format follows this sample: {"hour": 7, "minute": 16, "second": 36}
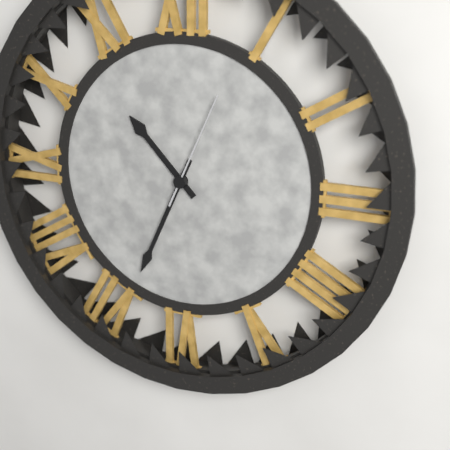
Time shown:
{"hour": 10, "minute": 34, "second": 4}
